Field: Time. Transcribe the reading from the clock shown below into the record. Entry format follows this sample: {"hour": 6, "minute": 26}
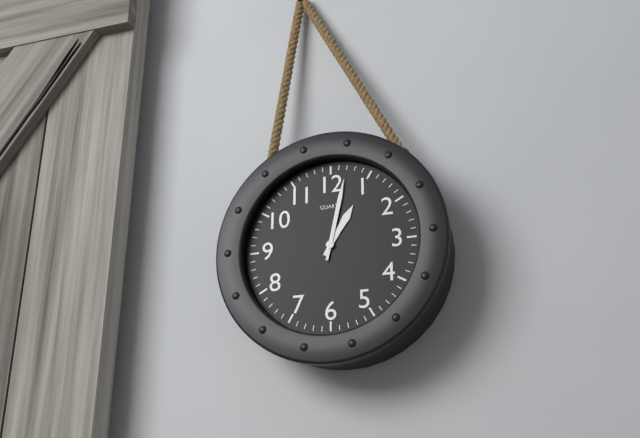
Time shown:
{"hour": 1, "minute": 2}
